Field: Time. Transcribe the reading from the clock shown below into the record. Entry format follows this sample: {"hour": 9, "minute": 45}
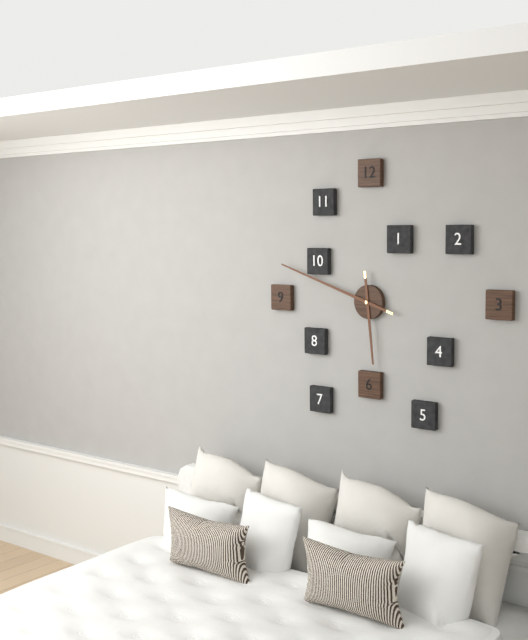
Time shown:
{"hour": 5, "minute": 48}
